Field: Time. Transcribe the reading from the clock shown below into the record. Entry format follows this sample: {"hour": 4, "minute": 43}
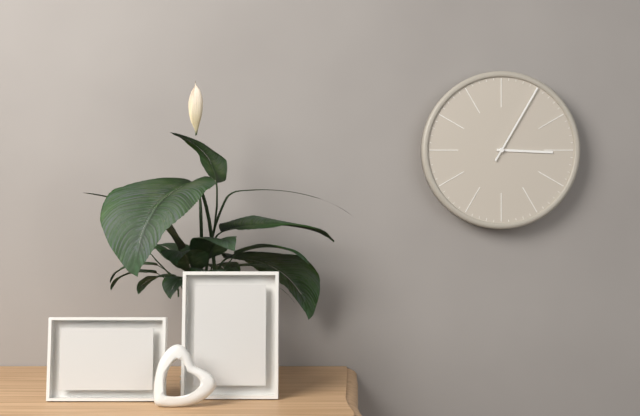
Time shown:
{"hour": 3, "minute": 5}
